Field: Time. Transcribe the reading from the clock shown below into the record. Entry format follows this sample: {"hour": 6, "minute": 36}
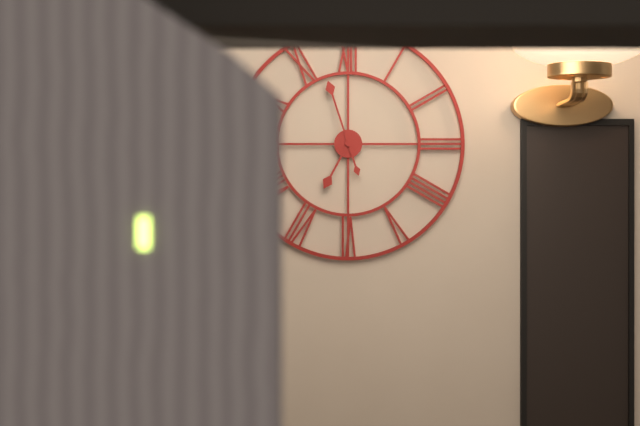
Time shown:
{"hour": 6, "minute": 57}
